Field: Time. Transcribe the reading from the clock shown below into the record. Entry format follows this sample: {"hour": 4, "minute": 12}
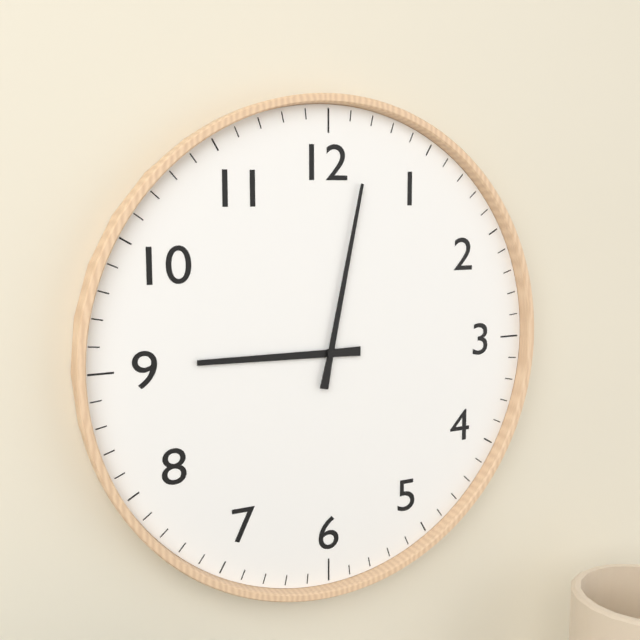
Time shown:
{"hour": 9, "minute": 2}
